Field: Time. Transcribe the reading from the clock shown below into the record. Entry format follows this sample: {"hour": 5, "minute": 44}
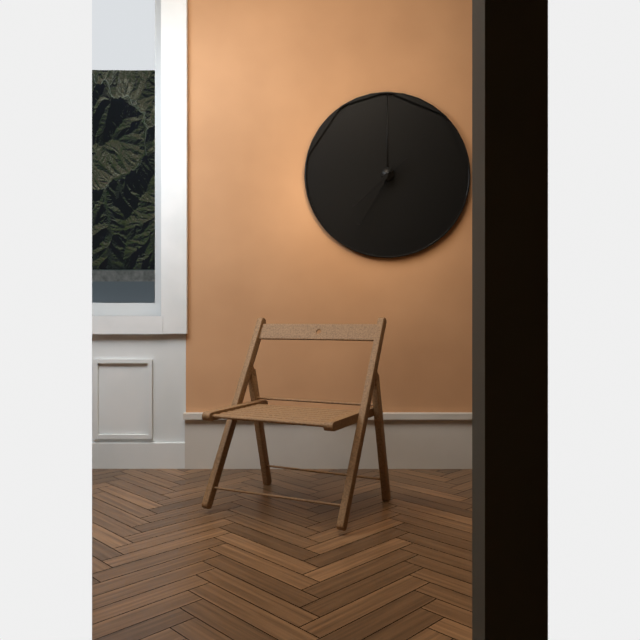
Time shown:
{"hour": 7, "minute": 35}
